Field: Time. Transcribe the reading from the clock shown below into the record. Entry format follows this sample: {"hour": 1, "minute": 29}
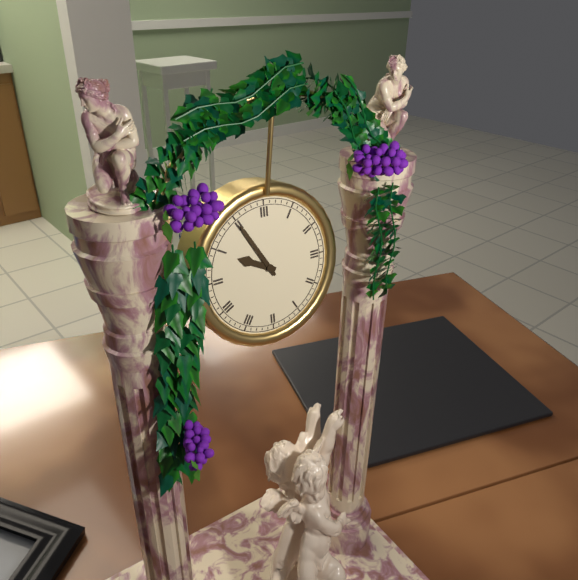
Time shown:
{"hour": 9, "minute": 55}
